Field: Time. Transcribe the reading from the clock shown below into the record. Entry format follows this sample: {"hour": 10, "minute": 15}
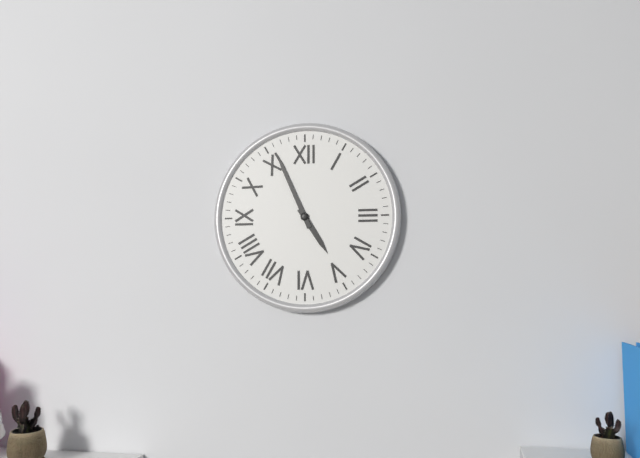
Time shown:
{"hour": 4, "minute": 56}
